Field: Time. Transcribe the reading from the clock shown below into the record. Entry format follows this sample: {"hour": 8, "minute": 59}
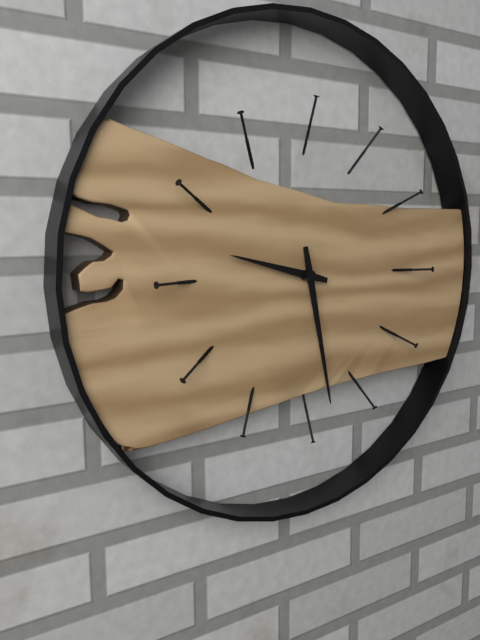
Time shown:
{"hour": 9, "minute": 28}
